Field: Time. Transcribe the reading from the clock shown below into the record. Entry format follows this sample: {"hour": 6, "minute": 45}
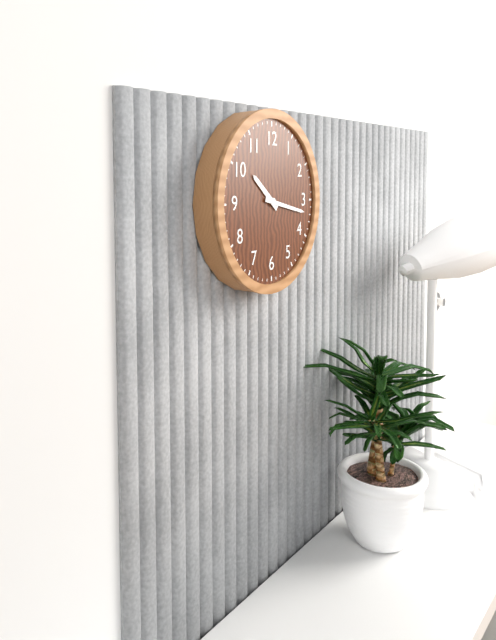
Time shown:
{"hour": 10, "minute": 17}
